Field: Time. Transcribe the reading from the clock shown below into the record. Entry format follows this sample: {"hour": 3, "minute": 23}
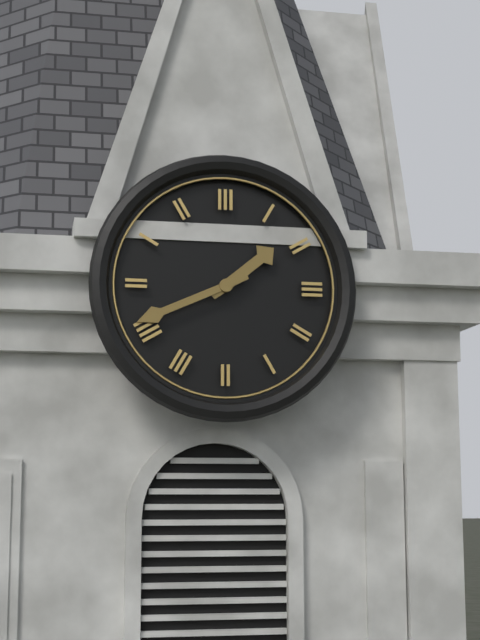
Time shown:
{"hour": 1, "minute": 41}
